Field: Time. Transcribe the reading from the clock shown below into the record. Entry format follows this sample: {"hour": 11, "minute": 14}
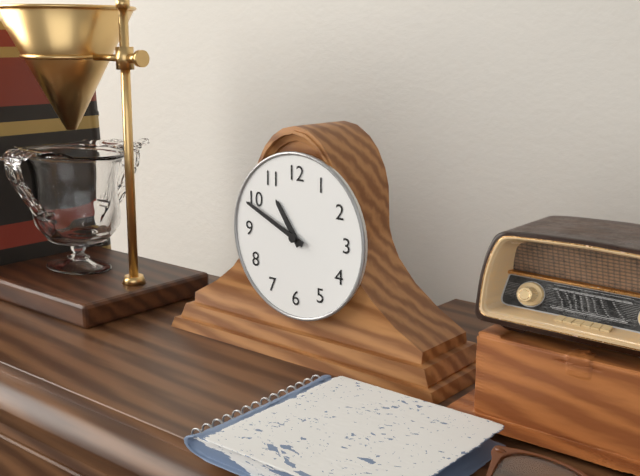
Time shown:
{"hour": 10, "minute": 49}
